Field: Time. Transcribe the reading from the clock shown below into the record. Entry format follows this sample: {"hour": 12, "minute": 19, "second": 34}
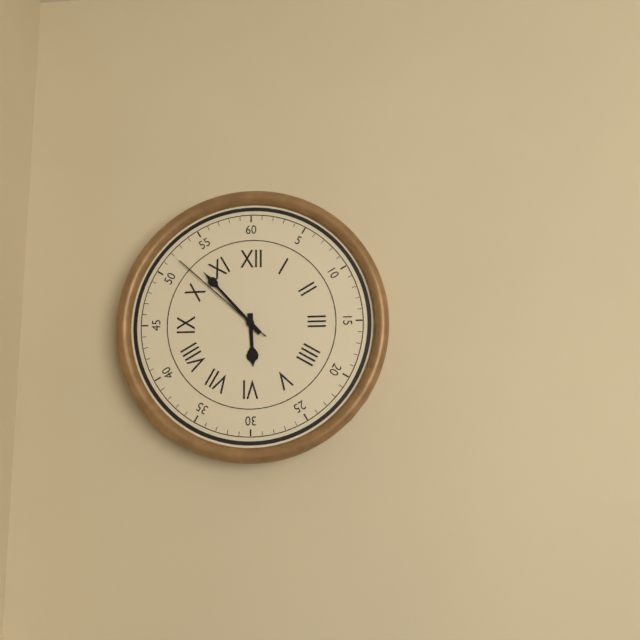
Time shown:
{"hour": 5, "minute": 53, "second": 52}
